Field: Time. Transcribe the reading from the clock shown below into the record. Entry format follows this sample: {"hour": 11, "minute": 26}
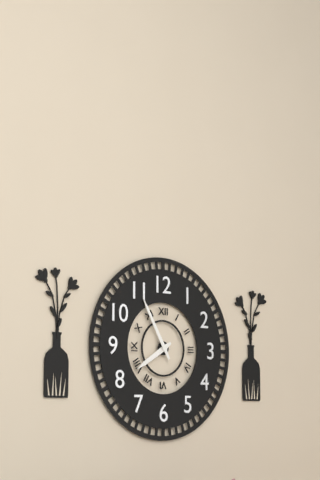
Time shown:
{"hour": 7, "minute": 55}
